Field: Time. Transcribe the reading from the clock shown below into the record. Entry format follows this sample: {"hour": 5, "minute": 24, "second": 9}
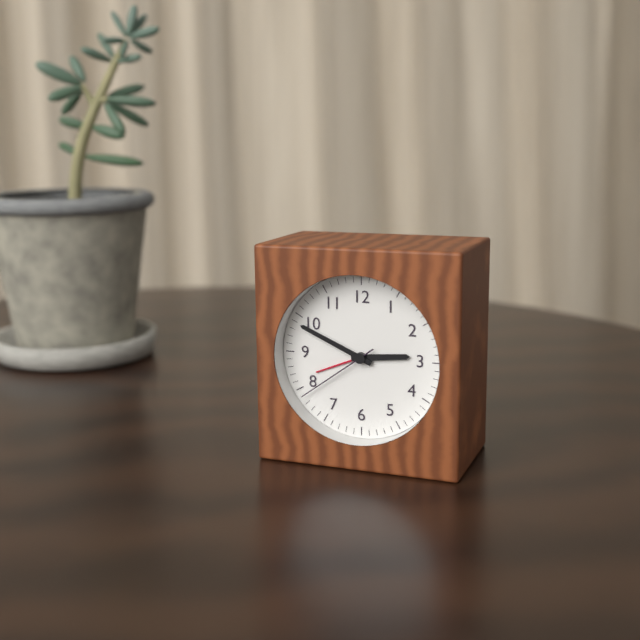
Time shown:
{"hour": 2, "minute": 49, "second": 39}
